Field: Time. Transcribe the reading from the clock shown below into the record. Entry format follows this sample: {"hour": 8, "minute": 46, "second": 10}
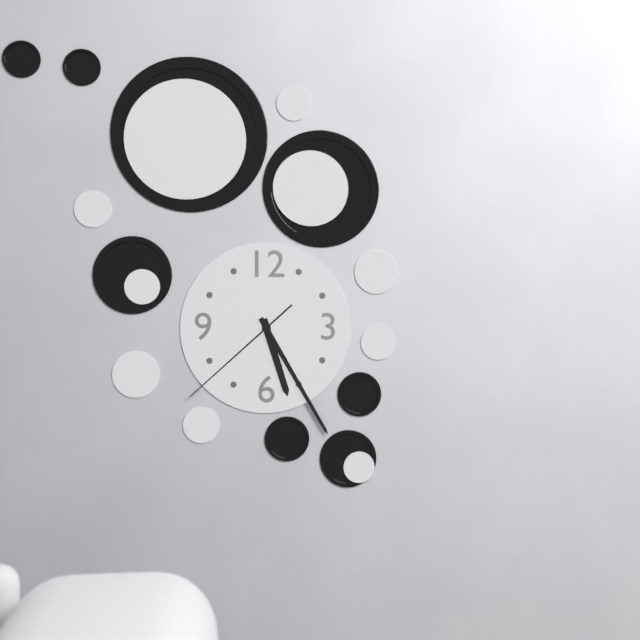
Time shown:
{"hour": 5, "minute": 25, "second": 38}
